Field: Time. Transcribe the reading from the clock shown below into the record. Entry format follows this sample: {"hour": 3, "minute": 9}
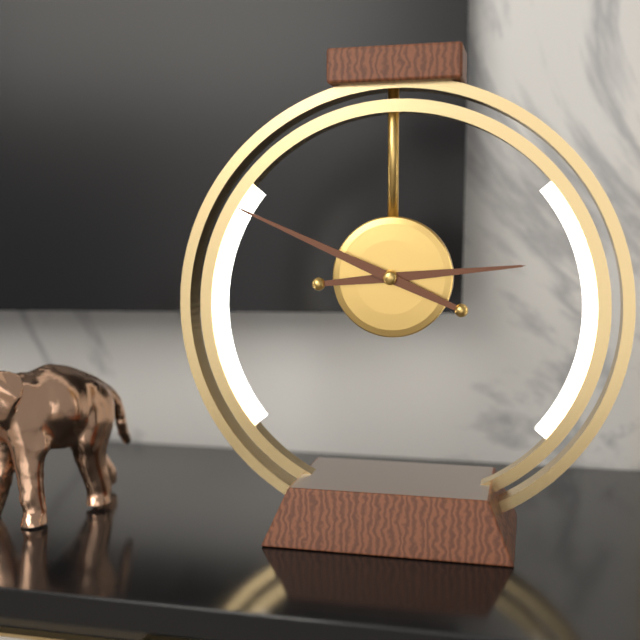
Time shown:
{"hour": 2, "minute": 49}
